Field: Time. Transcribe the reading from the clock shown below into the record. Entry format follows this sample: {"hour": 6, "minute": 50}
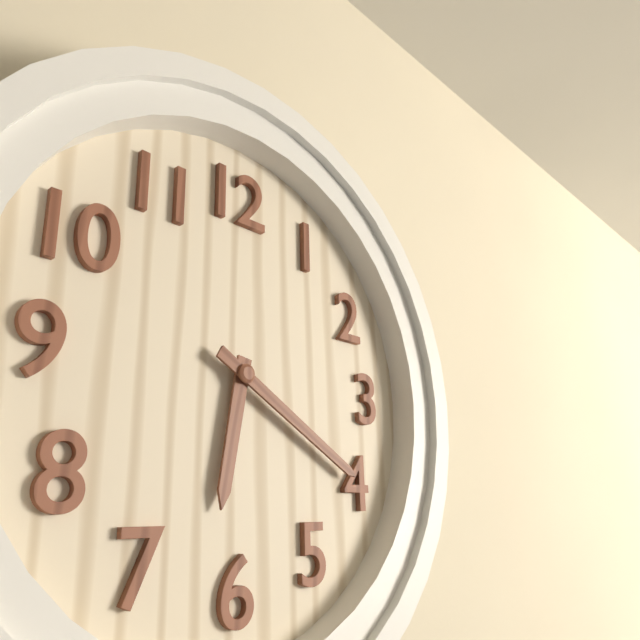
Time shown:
{"hour": 6, "minute": 20}
